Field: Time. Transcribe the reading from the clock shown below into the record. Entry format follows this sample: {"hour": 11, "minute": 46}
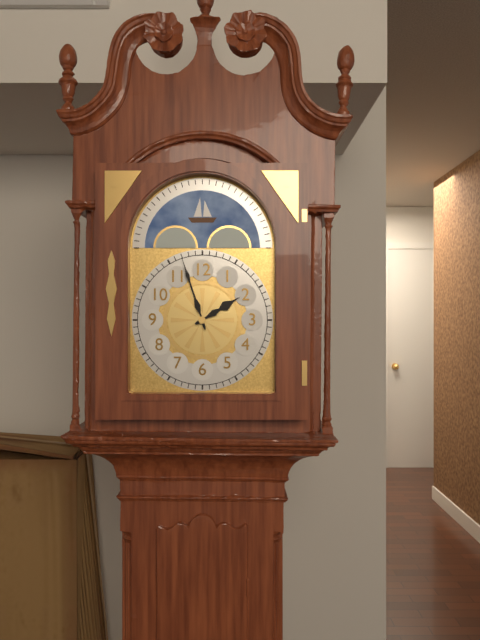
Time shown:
{"hour": 1, "minute": 57}
